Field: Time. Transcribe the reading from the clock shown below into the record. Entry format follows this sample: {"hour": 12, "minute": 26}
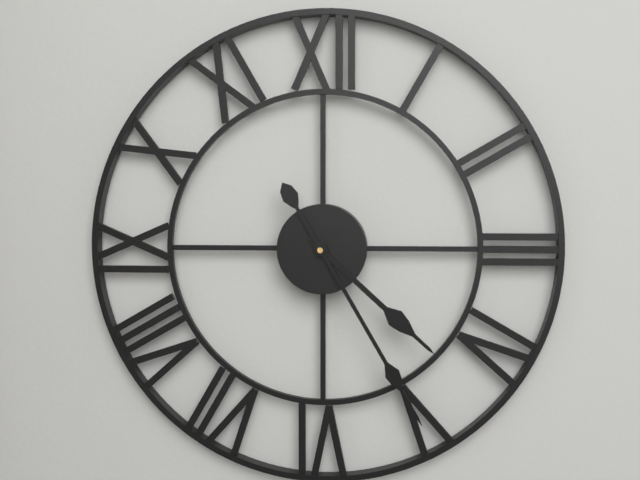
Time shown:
{"hour": 4, "minute": 25}
